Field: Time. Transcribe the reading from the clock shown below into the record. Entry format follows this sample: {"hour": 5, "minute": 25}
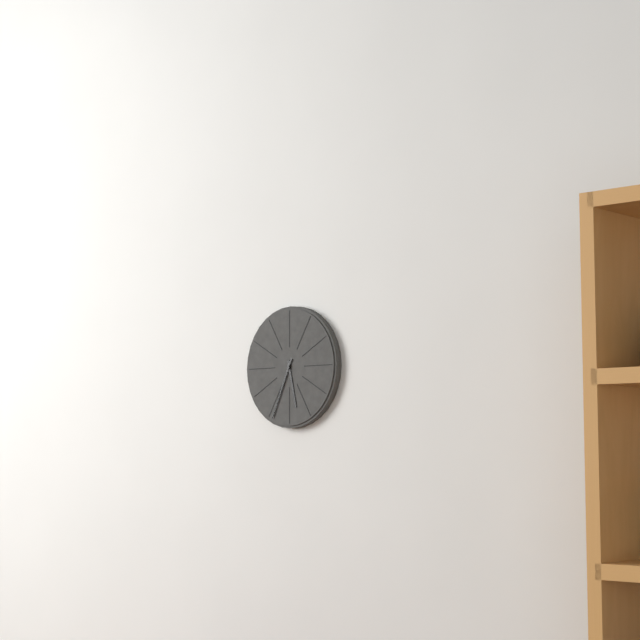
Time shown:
{"hour": 5, "minute": 34}
